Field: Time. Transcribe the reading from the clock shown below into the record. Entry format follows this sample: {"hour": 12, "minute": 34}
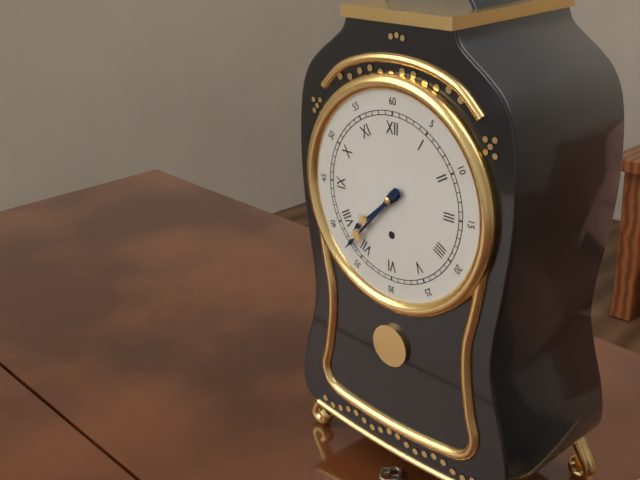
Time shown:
{"hour": 7, "minute": 37}
